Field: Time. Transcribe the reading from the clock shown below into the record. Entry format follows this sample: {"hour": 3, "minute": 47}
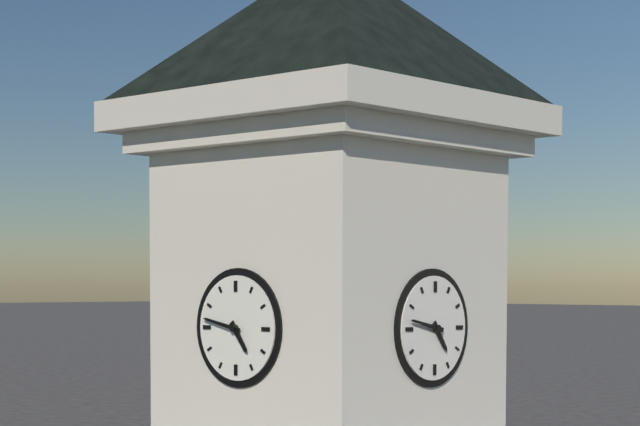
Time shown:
{"hour": 4, "minute": 47}
